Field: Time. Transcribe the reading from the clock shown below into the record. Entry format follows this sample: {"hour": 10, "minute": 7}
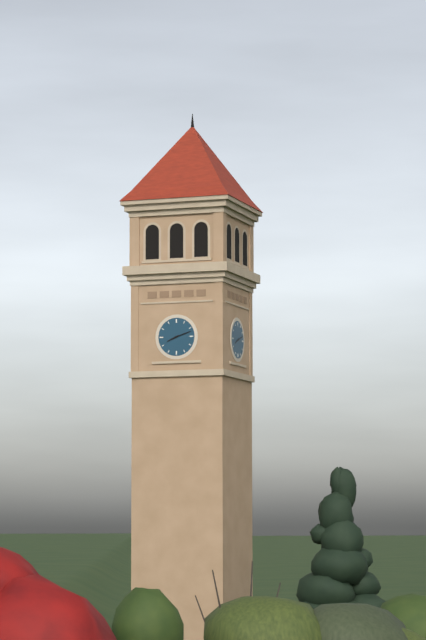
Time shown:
{"hour": 8, "minute": 12}
